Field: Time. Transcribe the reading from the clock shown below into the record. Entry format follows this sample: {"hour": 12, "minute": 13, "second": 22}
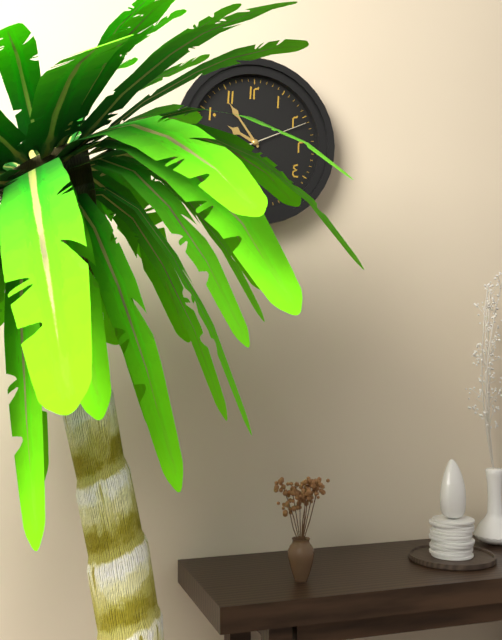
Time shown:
{"hour": 9, "minute": 54, "second": 11}
